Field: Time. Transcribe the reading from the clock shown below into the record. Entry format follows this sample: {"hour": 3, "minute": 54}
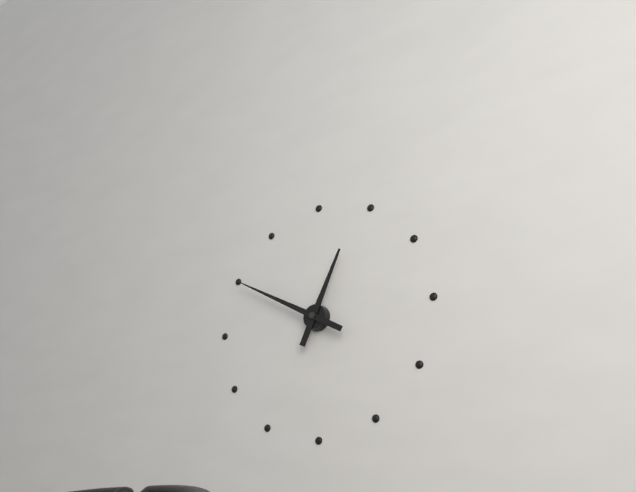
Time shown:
{"hour": 12, "minute": 50}
